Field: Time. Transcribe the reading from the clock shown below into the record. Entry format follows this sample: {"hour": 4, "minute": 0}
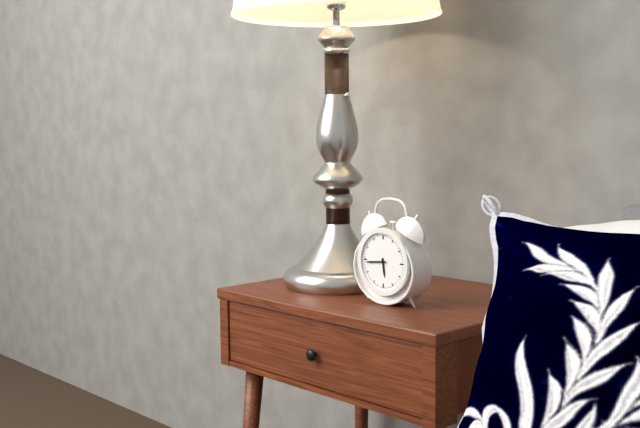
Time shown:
{"hour": 5, "minute": 44}
